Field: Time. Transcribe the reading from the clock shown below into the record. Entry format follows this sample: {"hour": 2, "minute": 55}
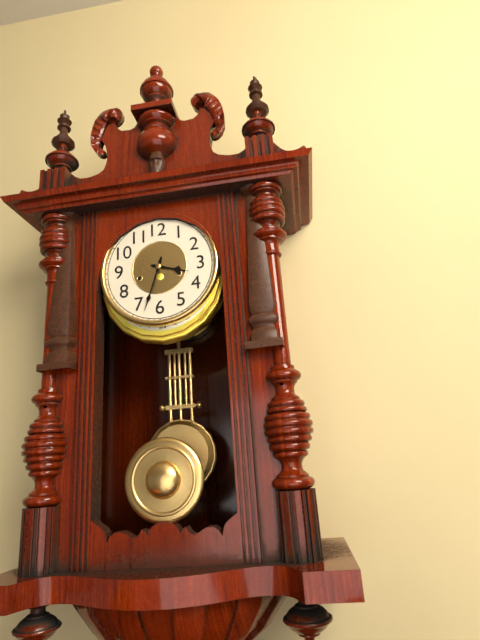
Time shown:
{"hour": 3, "minute": 33}
